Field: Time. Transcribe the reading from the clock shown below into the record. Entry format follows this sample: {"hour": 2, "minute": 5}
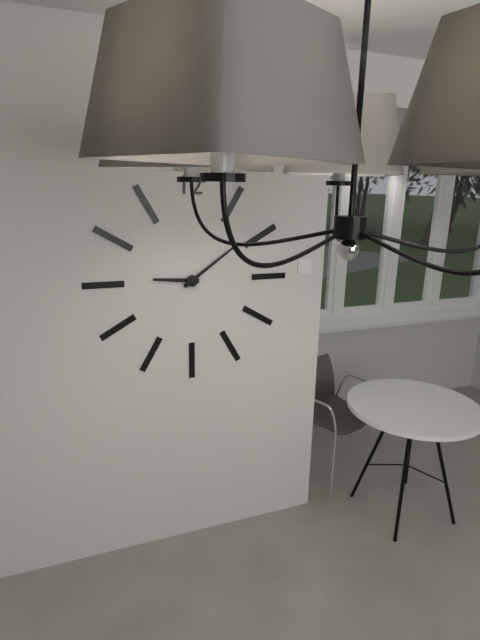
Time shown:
{"hour": 9, "minute": 9}
